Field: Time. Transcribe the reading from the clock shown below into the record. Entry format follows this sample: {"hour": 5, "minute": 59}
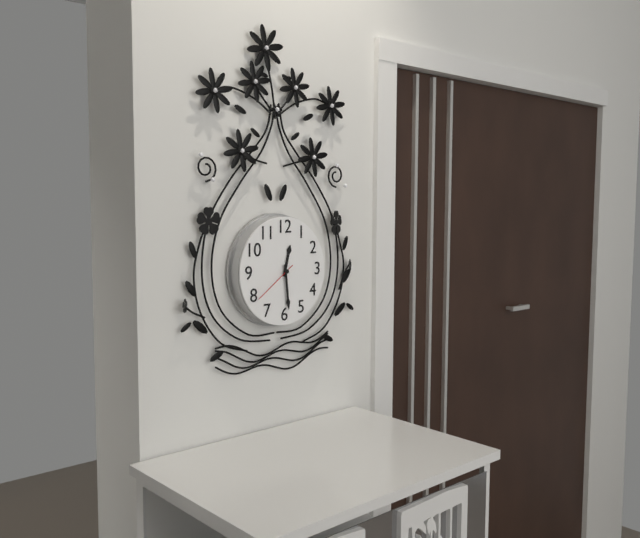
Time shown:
{"hour": 12, "minute": 29}
